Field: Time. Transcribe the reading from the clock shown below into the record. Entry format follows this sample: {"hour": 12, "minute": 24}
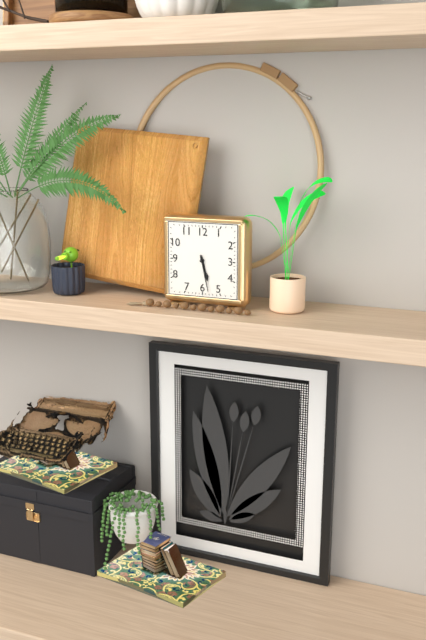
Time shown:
{"hour": 5, "minute": 28}
